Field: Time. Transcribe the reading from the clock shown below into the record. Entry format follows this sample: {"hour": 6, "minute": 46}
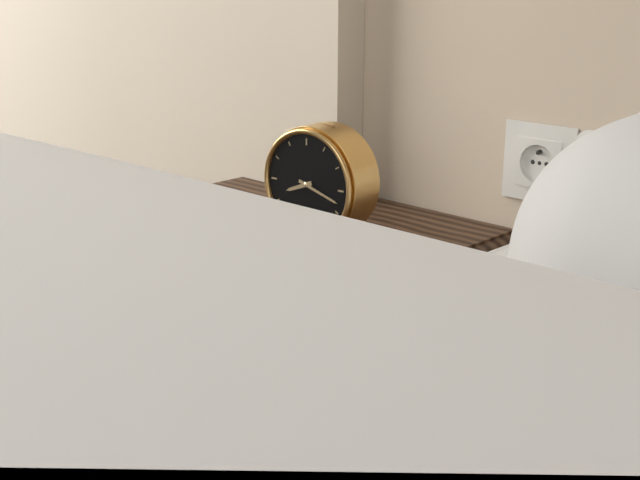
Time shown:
{"hour": 8, "minute": 18}
